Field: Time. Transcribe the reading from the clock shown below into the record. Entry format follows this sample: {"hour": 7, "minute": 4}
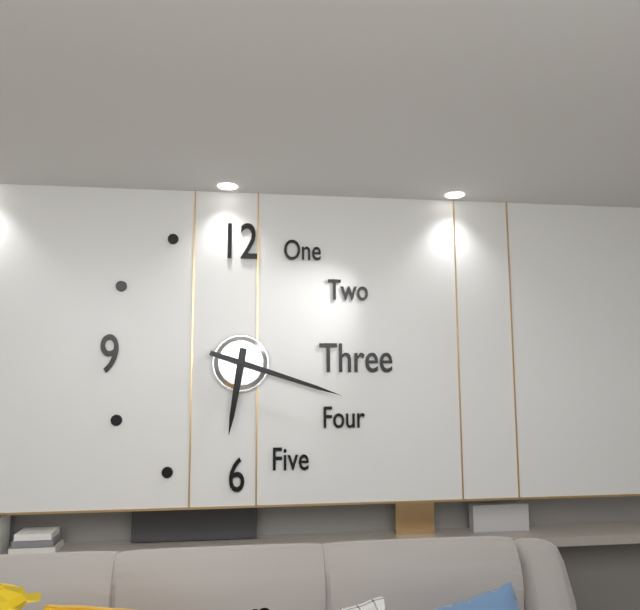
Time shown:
{"hour": 6, "minute": 18}
